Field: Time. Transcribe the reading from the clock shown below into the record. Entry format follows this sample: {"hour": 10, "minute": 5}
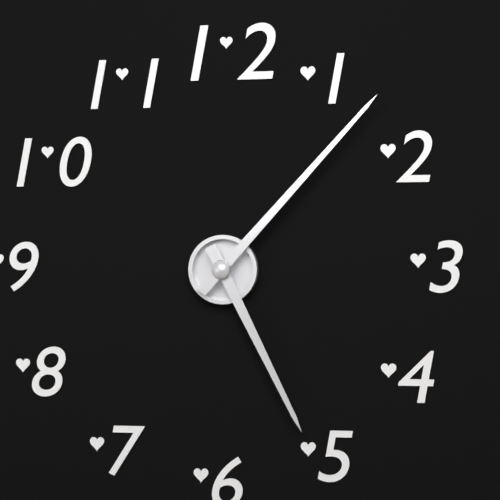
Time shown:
{"hour": 5, "minute": 7}
